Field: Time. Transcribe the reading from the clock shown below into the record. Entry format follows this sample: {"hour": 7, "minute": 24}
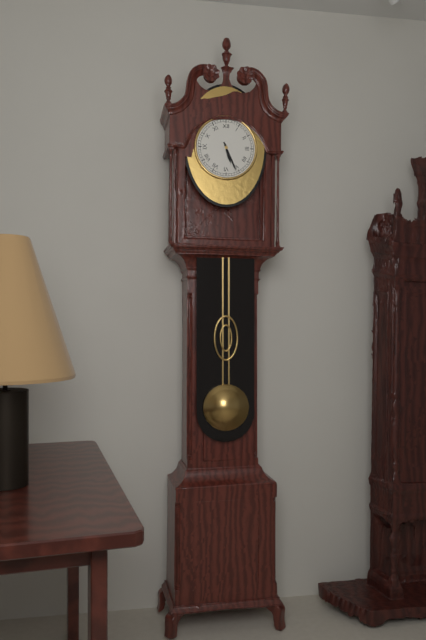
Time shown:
{"hour": 5, "minute": 26}
